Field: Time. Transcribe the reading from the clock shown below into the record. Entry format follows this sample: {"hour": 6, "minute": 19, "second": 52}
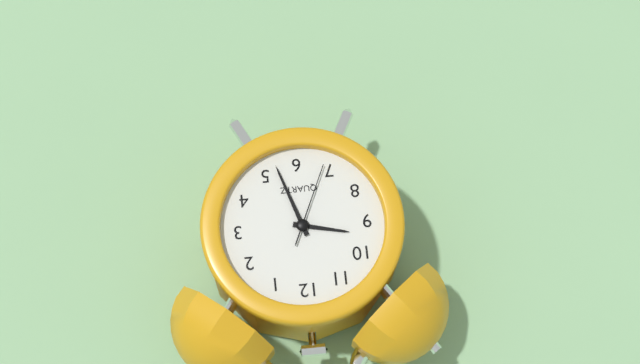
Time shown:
{"hour": 9, "minute": 27, "second": 34}
